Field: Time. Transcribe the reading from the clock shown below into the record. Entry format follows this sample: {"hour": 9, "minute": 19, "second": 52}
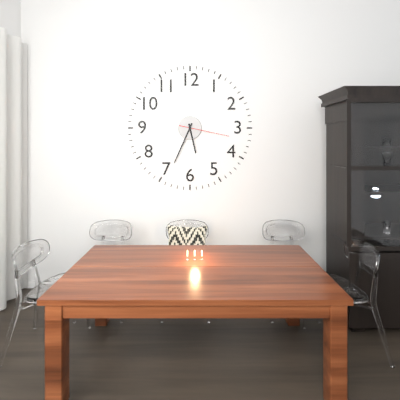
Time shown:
{"hour": 5, "minute": 34, "second": 17}
